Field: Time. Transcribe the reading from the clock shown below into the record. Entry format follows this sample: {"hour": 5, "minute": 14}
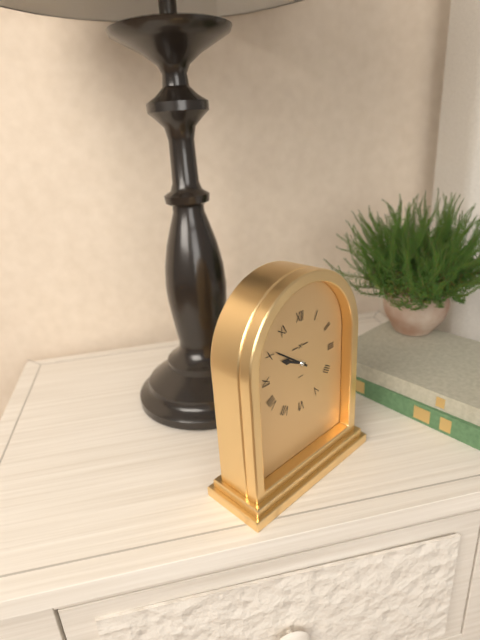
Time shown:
{"hour": 9, "minute": 51}
